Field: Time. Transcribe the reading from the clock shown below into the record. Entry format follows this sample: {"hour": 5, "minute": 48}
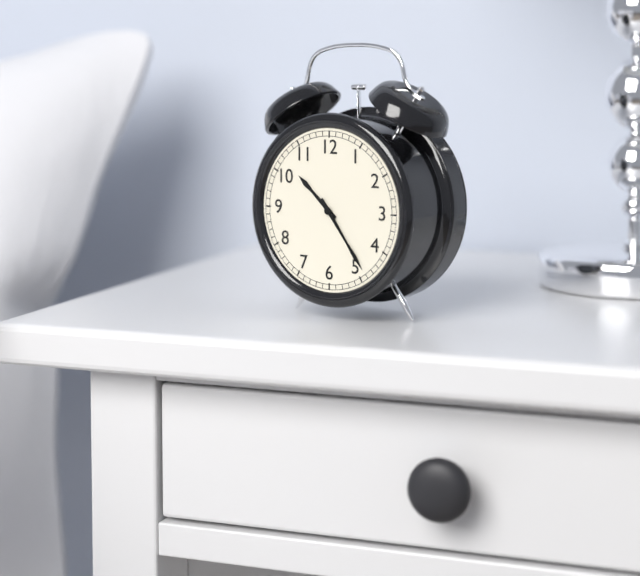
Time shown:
{"hour": 10, "minute": 24}
